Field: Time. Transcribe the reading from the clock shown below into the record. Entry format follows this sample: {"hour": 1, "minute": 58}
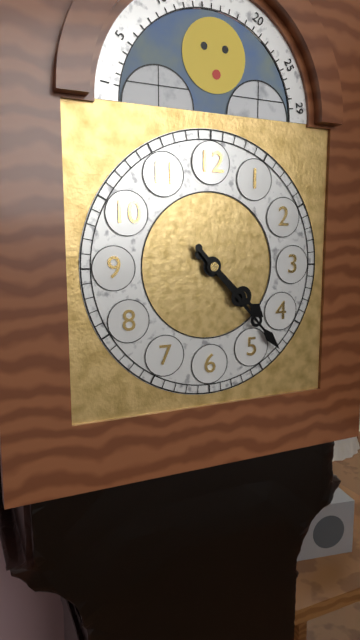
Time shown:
{"hour": 4, "minute": 23}
